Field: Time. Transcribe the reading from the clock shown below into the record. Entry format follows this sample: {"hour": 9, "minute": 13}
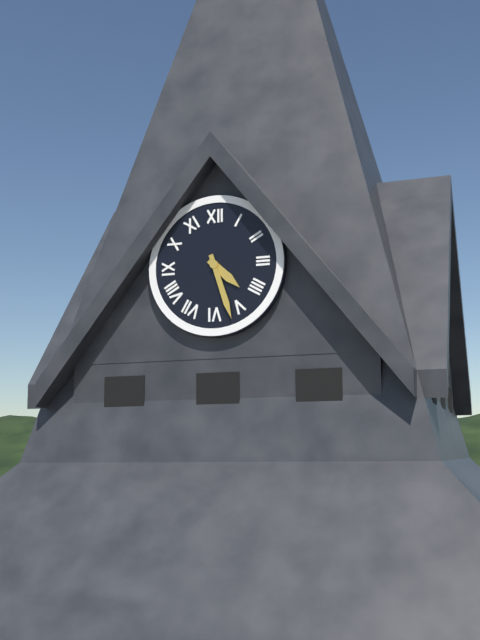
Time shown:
{"hour": 4, "minute": 27}
